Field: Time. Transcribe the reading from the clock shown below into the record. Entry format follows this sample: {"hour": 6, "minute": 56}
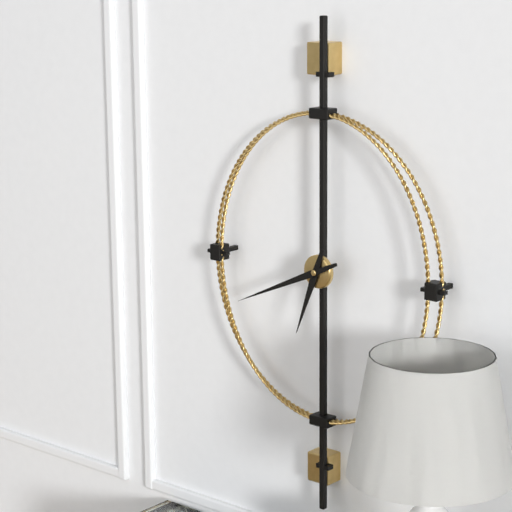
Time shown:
{"hour": 6, "minute": 41}
